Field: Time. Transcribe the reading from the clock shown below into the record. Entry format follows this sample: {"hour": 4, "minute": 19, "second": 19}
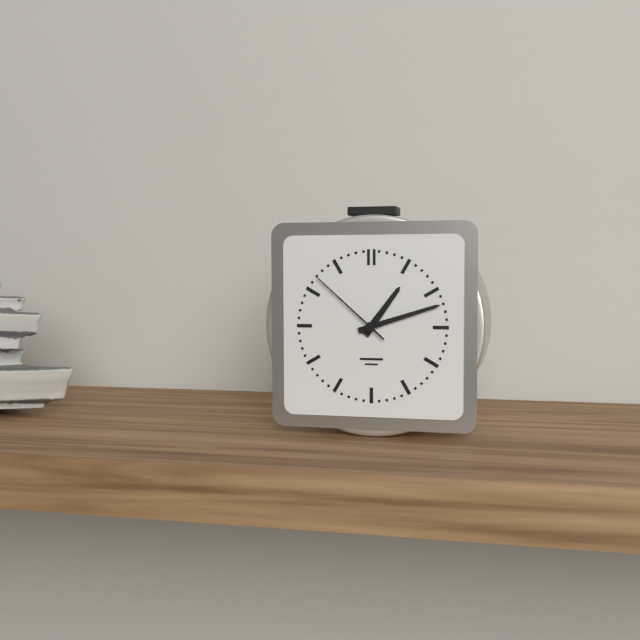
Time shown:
{"hour": 1, "minute": 12, "second": 52}
